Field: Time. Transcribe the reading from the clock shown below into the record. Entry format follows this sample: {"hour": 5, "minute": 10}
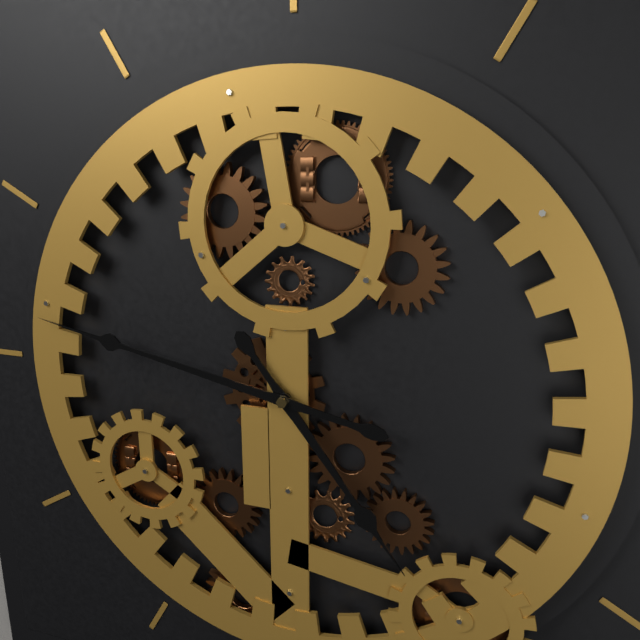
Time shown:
{"hour": 4, "minute": 47}
